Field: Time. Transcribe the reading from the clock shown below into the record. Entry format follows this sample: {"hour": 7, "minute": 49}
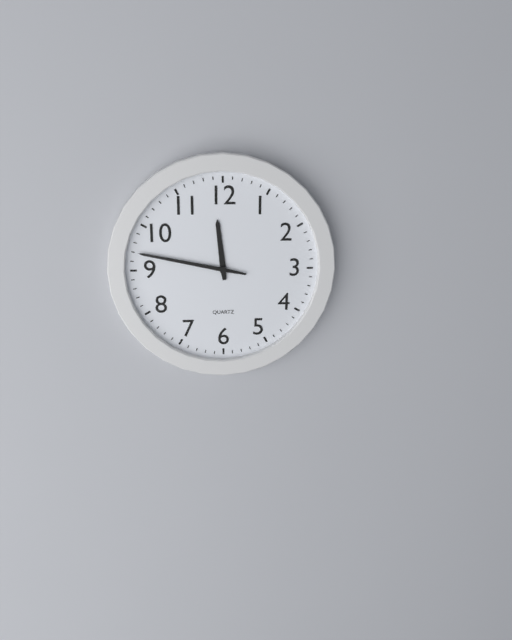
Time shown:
{"hour": 11, "minute": 47}
